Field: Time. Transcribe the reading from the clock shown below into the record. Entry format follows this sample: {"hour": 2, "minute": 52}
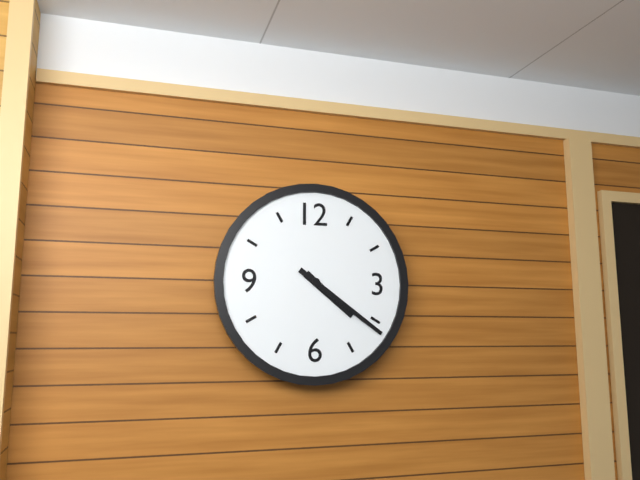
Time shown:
{"hour": 4, "minute": 21}
